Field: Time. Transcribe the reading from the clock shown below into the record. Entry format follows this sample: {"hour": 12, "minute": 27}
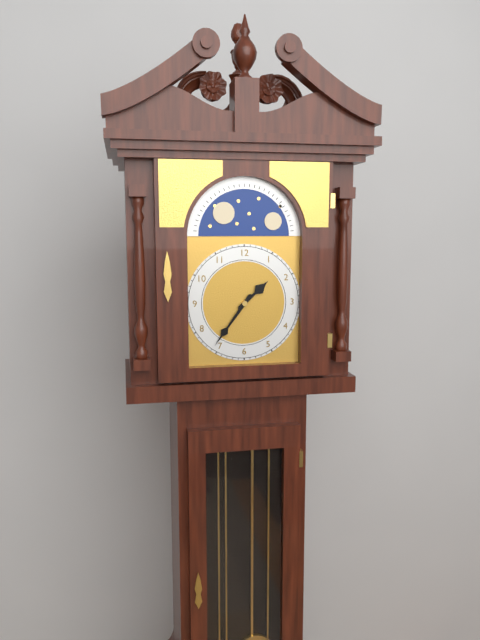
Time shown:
{"hour": 1, "minute": 36}
